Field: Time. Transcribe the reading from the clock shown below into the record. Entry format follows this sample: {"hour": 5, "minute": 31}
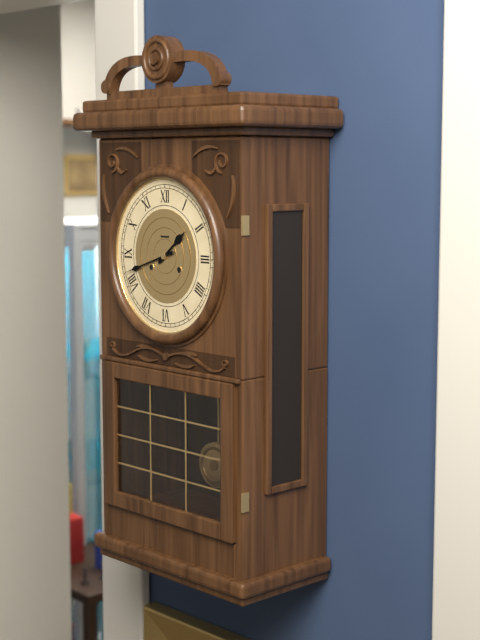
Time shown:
{"hour": 1, "minute": 42}
